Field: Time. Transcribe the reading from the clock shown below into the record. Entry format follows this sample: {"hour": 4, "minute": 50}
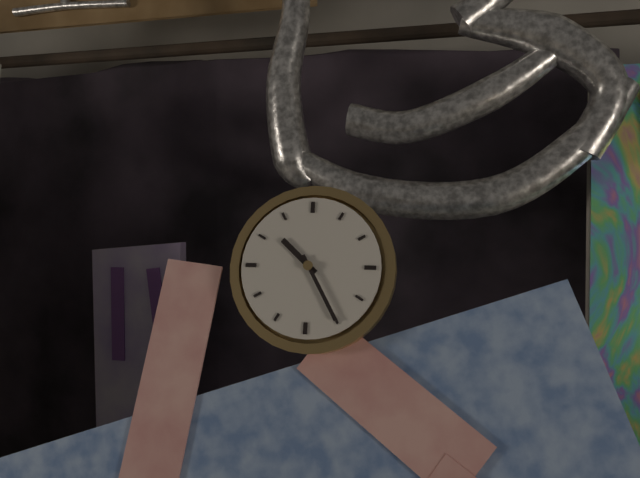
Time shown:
{"hour": 10, "minute": 25}
